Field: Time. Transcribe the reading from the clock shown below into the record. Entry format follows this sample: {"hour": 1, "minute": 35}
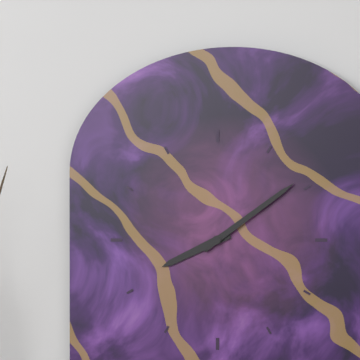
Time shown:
{"hour": 8, "minute": 9}
